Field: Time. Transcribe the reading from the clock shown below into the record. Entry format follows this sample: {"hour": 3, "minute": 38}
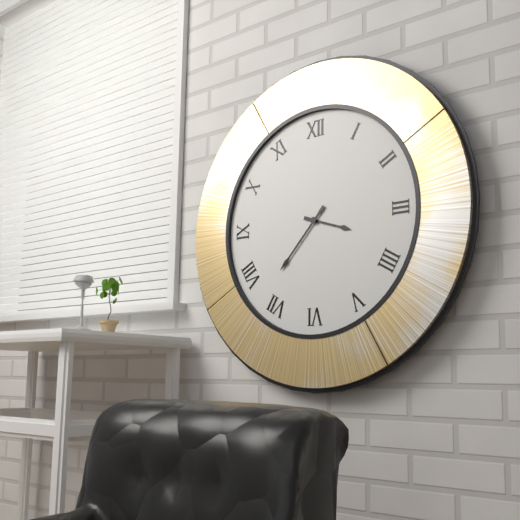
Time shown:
{"hour": 3, "minute": 37}
